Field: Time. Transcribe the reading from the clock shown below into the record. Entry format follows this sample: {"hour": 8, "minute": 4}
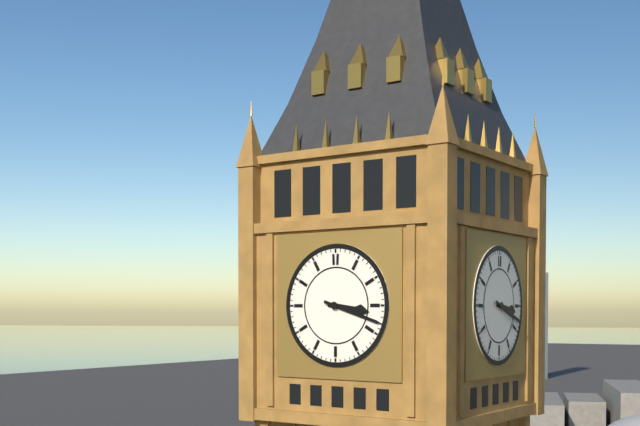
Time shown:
{"hour": 3, "minute": 18}
